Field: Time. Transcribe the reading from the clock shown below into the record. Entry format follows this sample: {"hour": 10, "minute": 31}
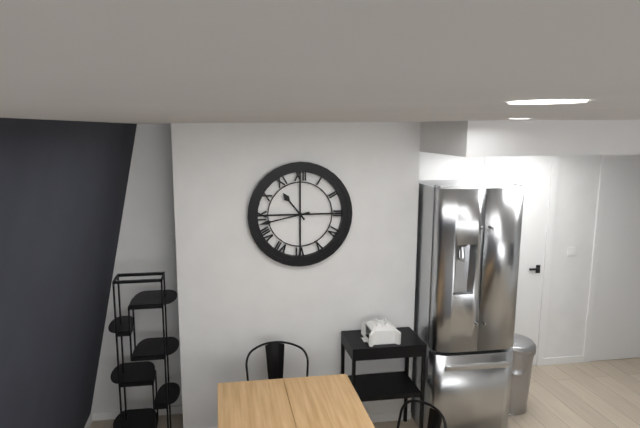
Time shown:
{"hour": 10, "minute": 43}
